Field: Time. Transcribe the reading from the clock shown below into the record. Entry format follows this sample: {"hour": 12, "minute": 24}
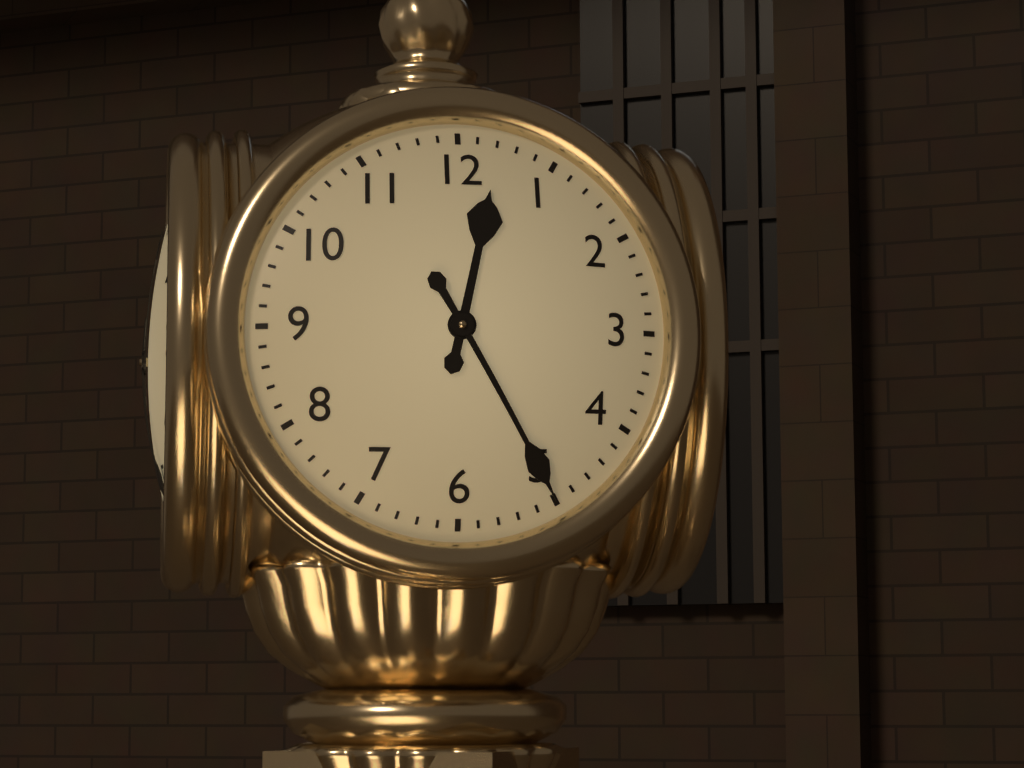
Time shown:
{"hour": 12, "minute": 25}
